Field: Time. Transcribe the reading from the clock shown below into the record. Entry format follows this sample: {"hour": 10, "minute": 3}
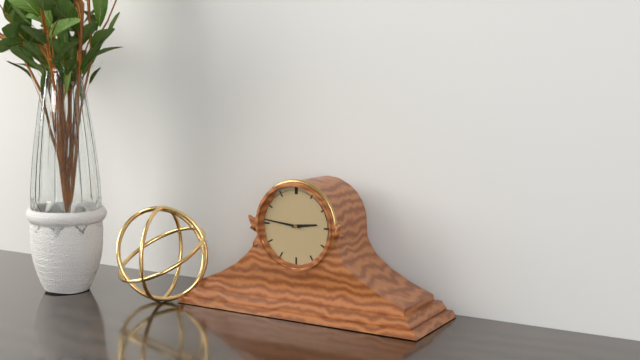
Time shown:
{"hour": 2, "minute": 46}
